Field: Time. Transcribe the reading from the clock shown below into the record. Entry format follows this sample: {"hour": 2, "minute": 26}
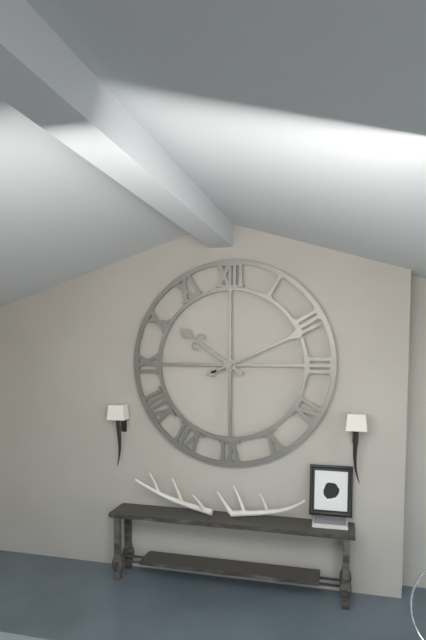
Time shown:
{"hour": 10, "minute": 11}
